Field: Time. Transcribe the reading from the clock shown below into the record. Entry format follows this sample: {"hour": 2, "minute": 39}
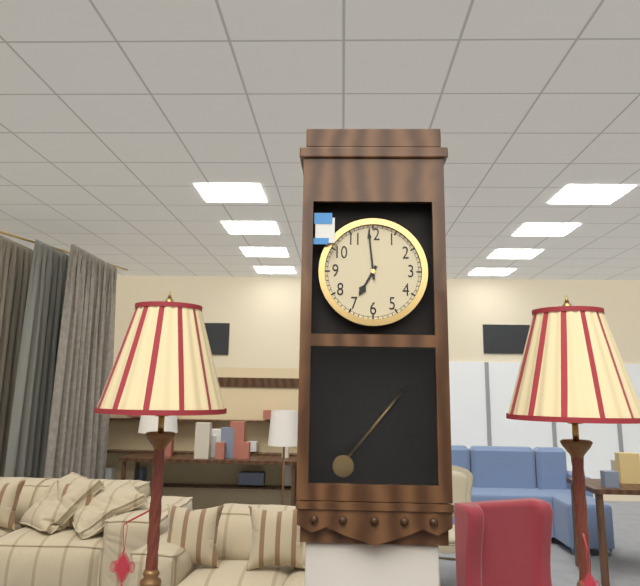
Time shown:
{"hour": 6, "minute": 59}
